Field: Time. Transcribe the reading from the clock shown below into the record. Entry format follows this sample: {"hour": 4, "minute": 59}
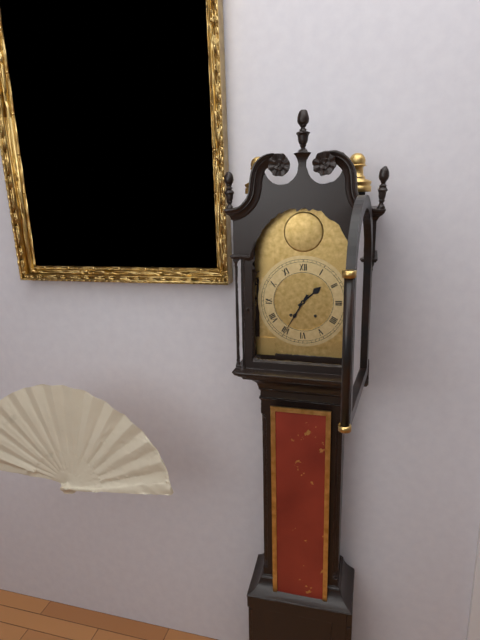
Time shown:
{"hour": 1, "minute": 35}
